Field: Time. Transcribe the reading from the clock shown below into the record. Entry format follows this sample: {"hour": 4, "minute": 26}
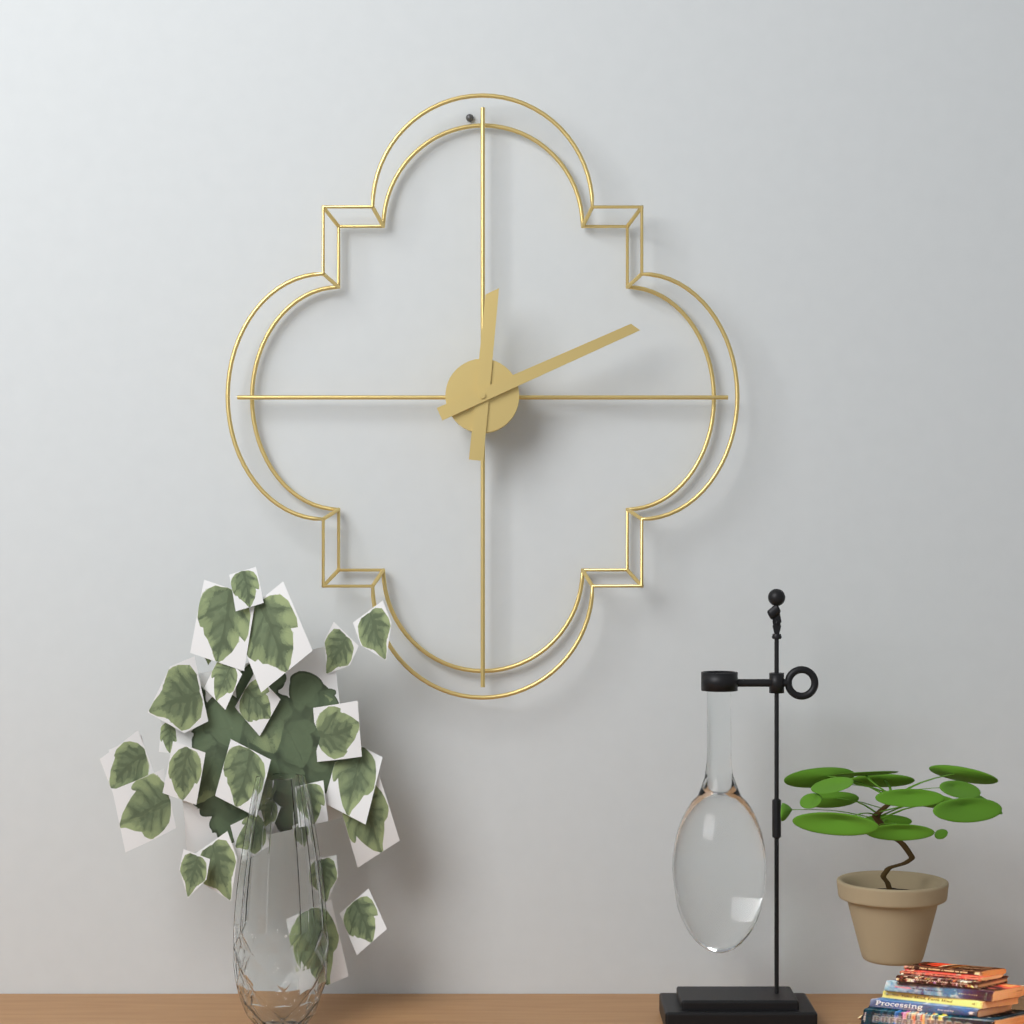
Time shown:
{"hour": 12, "minute": 11}
